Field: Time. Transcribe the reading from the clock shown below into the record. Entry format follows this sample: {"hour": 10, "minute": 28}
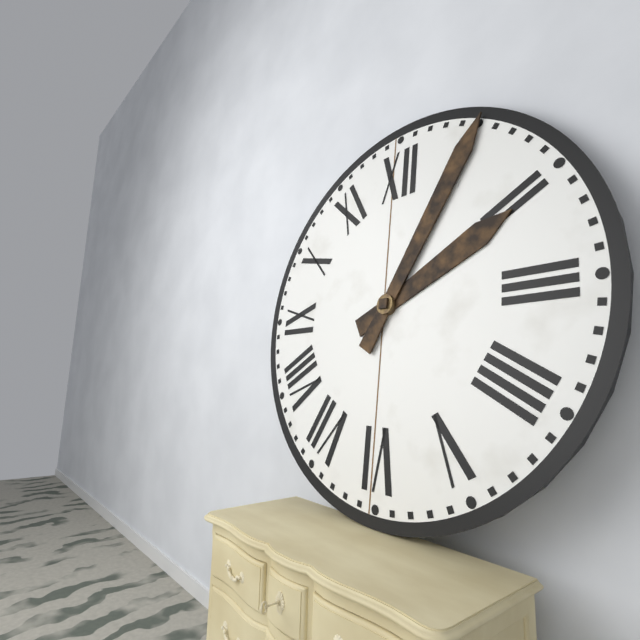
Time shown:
{"hour": 2, "minute": 5}
